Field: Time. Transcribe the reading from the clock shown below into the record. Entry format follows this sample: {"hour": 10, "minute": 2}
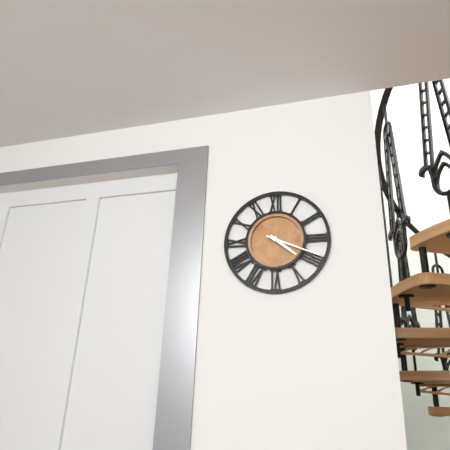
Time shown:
{"hour": 4, "minute": 19}
